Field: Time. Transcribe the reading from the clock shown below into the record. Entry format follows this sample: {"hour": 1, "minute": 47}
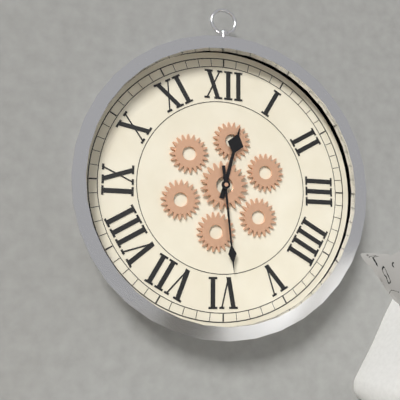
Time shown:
{"hour": 12, "minute": 29}
